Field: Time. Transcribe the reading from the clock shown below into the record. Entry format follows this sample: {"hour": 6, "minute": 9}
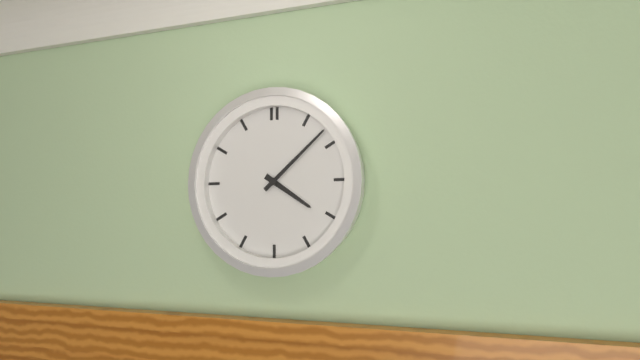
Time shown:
{"hour": 4, "minute": 8}
